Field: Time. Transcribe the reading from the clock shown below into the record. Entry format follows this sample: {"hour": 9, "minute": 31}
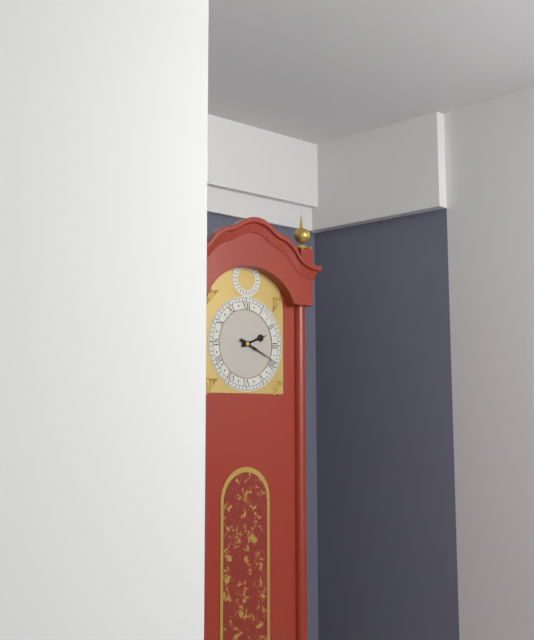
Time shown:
{"hour": 2, "minute": 19}
